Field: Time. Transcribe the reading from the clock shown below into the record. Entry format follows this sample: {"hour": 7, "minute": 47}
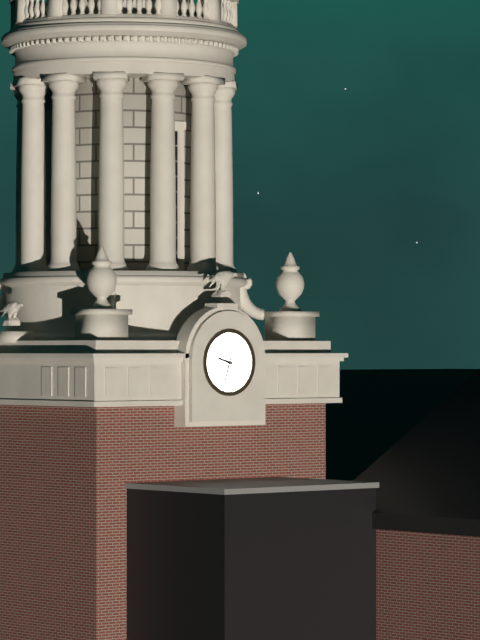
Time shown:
{"hour": 9, "minute": 33}
